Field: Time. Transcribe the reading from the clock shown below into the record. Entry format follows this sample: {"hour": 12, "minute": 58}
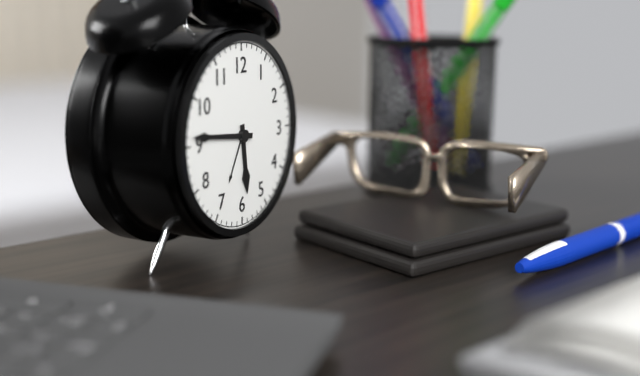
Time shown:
{"hour": 5, "minute": 46}
